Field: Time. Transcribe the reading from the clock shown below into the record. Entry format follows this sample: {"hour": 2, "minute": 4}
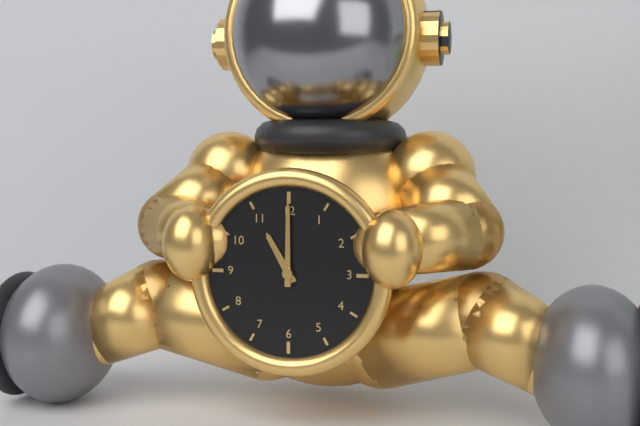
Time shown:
{"hour": 11, "minute": 0}
